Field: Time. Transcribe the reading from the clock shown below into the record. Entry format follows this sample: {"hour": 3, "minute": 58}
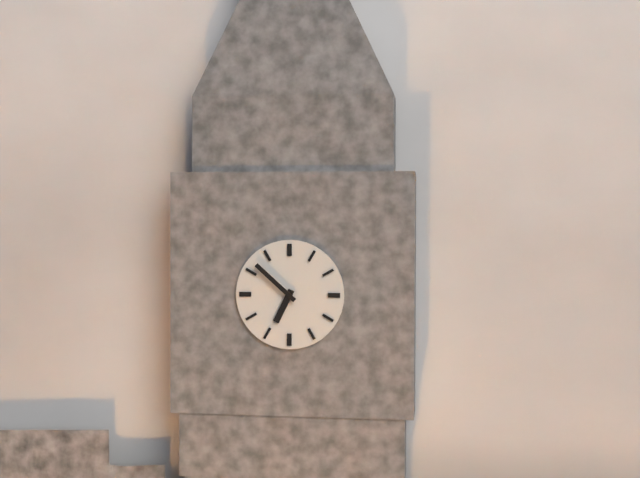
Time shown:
{"hour": 6, "minute": 52}
